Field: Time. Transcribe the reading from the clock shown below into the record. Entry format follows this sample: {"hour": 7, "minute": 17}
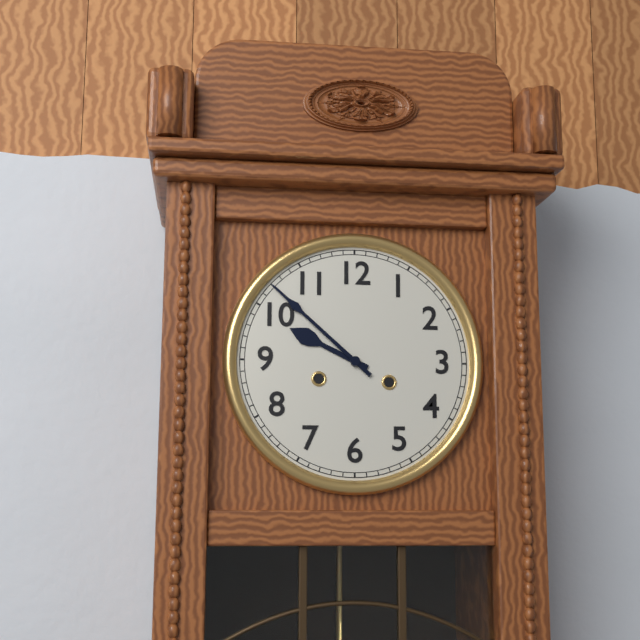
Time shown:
{"hour": 9, "minute": 52}
